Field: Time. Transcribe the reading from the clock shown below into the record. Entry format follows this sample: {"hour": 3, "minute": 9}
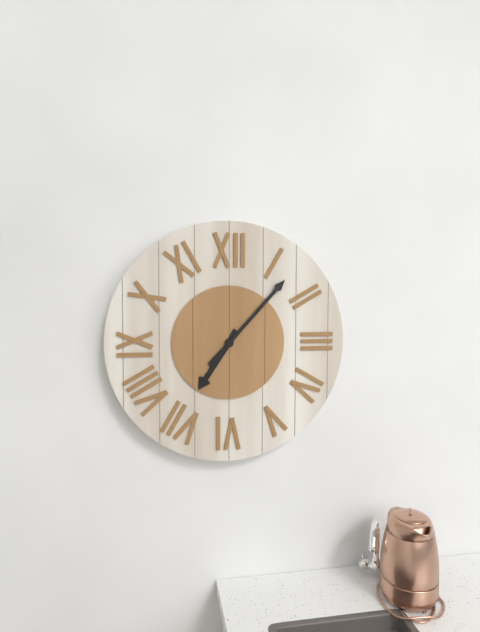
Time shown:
{"hour": 7, "minute": 7}
